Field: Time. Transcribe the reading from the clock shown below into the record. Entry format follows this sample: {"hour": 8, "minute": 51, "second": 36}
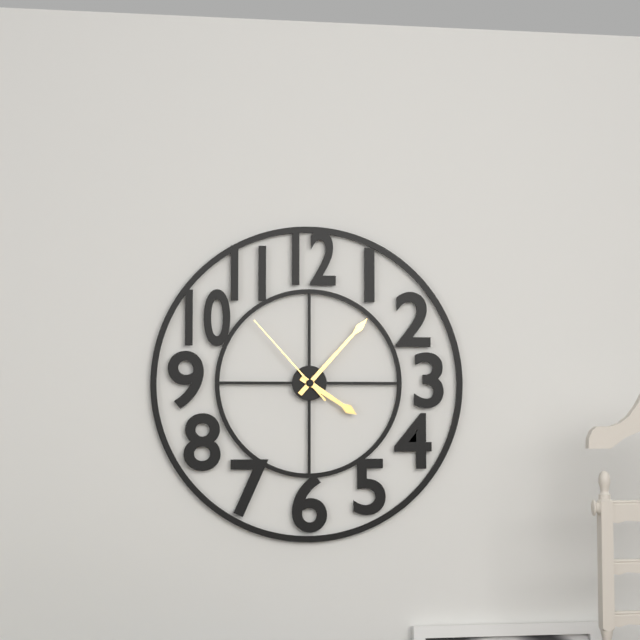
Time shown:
{"hour": 4, "minute": 7, "second": 53}
